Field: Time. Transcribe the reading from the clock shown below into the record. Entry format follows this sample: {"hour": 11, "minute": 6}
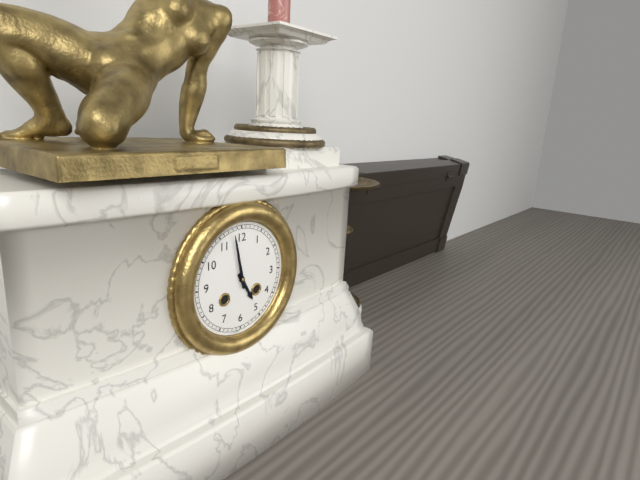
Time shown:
{"hour": 4, "minute": 58}
